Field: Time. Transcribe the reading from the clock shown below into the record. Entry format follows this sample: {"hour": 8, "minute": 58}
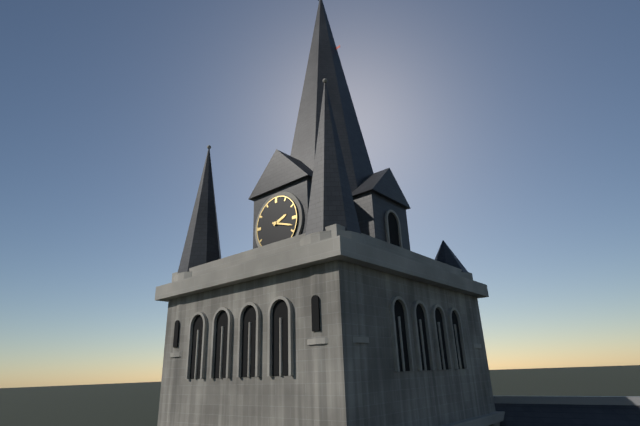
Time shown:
{"hour": 2, "minute": 18}
